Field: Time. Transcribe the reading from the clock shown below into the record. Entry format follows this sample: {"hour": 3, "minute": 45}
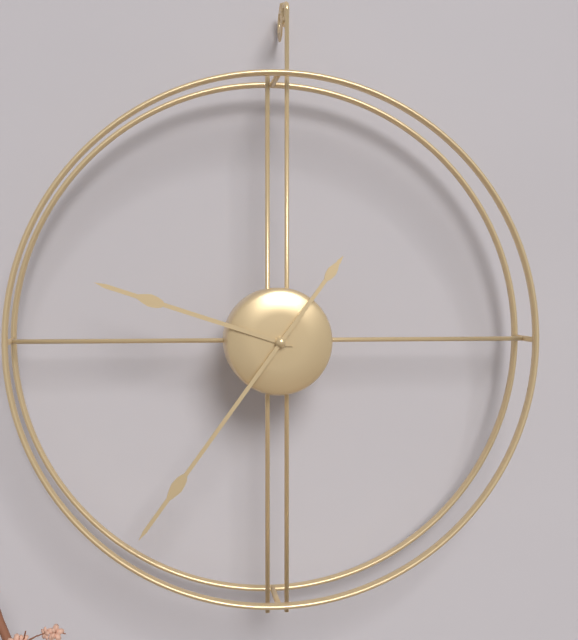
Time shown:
{"hour": 9, "minute": 36}
